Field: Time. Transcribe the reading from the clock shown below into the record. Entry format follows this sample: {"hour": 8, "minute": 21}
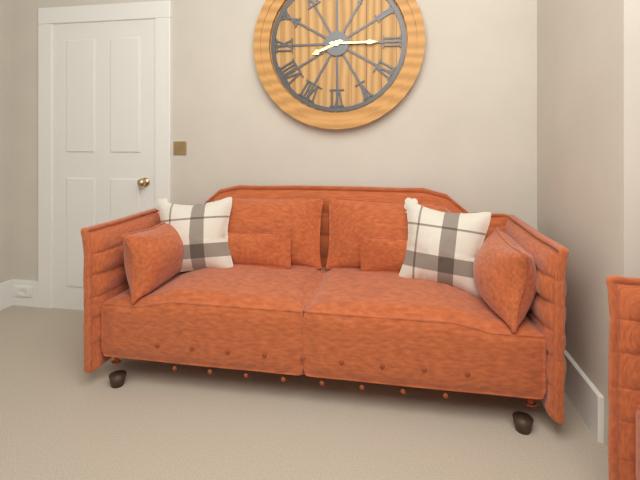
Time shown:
{"hour": 8, "minute": 15}
